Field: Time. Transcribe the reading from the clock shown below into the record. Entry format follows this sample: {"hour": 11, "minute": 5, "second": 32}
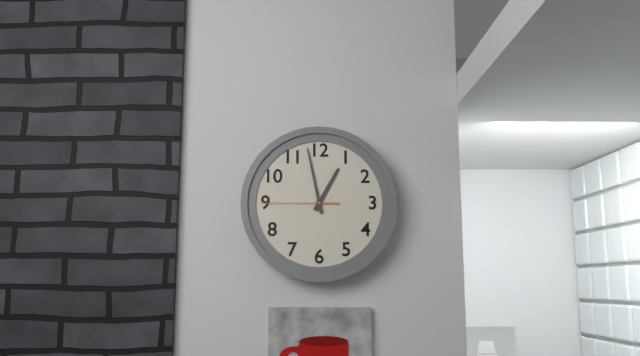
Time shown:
{"hour": 12, "minute": 58, "second": 45}
